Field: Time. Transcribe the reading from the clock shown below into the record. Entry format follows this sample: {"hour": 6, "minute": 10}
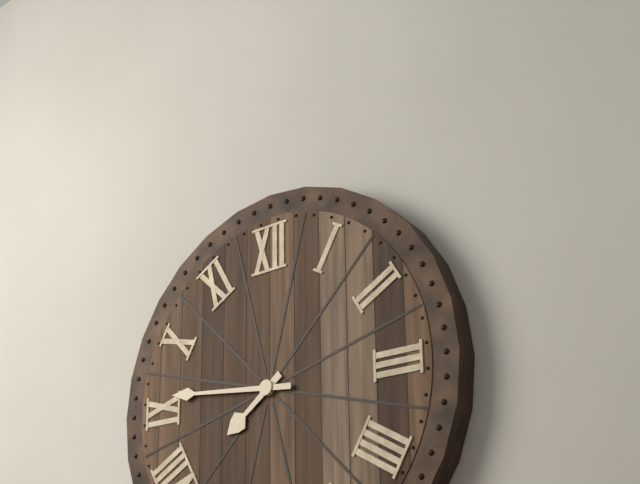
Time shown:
{"hour": 7, "minute": 46}
